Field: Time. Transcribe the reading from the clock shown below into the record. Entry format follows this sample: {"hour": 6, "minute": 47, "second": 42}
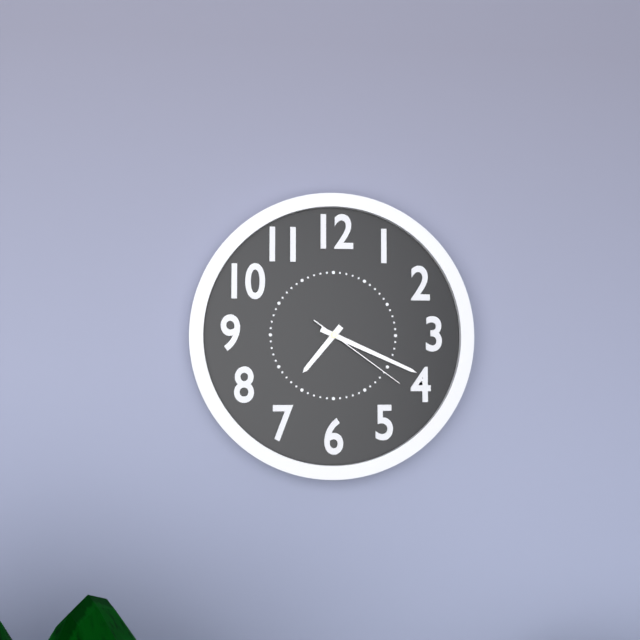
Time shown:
{"hour": 7, "minute": 19, "second": 21}
